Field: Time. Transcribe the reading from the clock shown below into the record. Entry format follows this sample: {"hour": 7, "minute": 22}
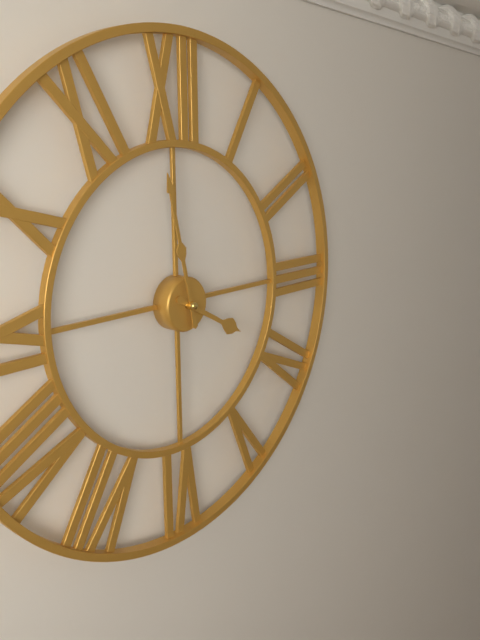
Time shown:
{"hour": 3, "minute": 58}
